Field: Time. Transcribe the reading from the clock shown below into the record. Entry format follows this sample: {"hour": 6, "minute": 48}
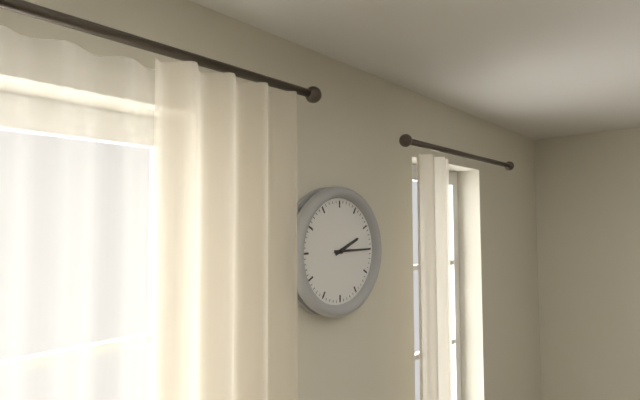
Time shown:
{"hour": 2, "minute": 15}
